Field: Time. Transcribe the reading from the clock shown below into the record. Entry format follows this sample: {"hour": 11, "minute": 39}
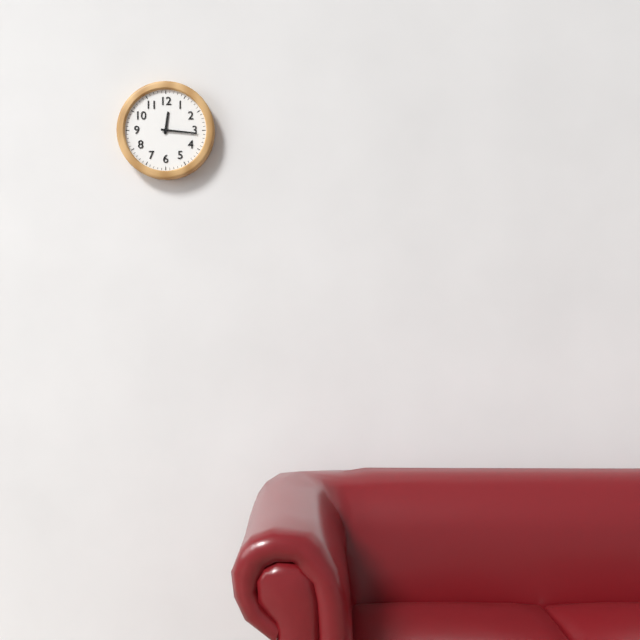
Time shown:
{"hour": 12, "minute": 16}
